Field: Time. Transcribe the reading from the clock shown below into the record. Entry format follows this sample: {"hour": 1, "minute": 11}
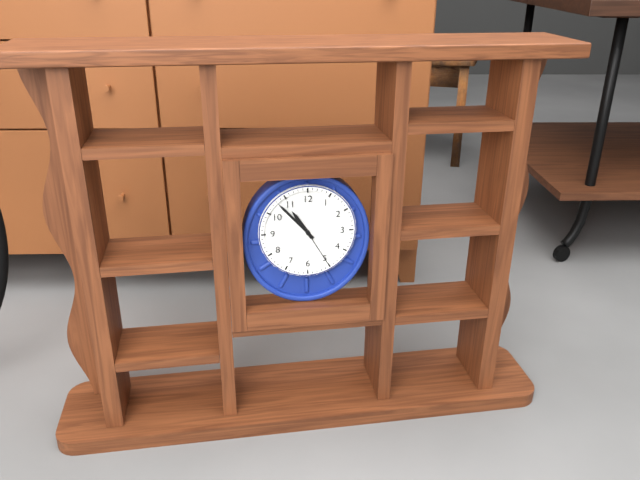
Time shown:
{"hour": 10, "minute": 53}
